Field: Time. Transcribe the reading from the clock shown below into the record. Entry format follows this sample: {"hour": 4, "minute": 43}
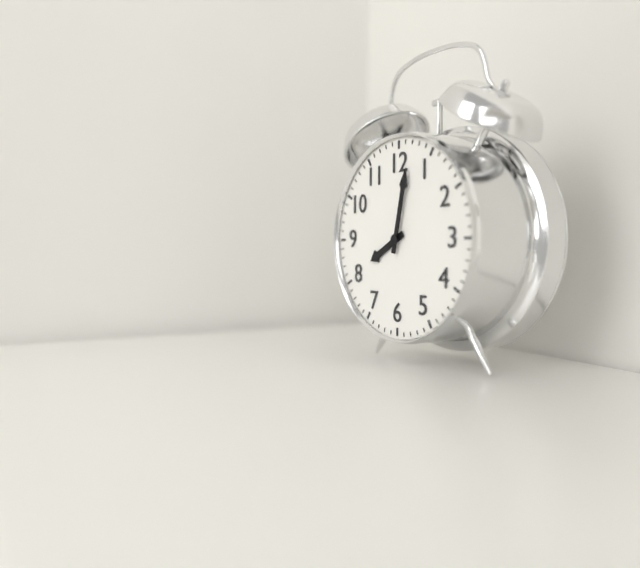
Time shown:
{"hour": 8, "minute": 2}
